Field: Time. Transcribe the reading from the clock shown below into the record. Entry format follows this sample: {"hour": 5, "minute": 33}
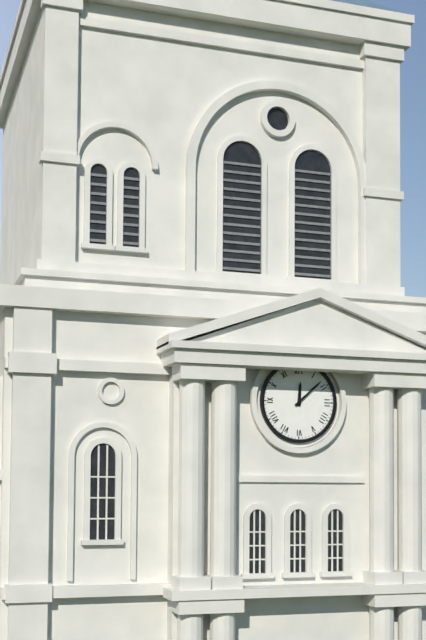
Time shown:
{"hour": 12, "minute": 8}
